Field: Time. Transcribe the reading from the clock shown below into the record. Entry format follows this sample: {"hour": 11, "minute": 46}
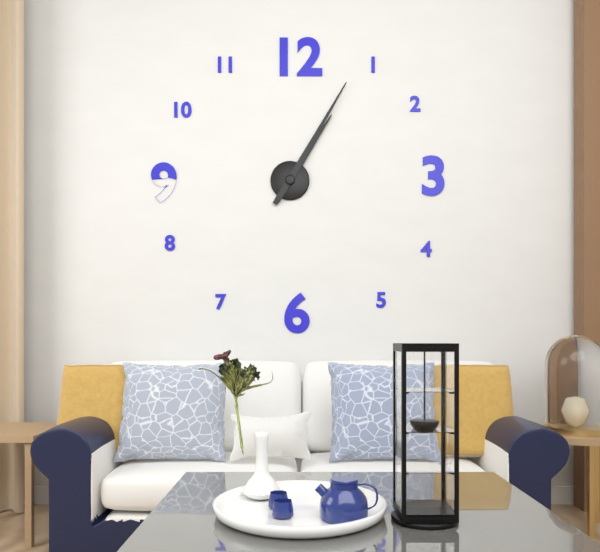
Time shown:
{"hour": 1, "minute": 5}
